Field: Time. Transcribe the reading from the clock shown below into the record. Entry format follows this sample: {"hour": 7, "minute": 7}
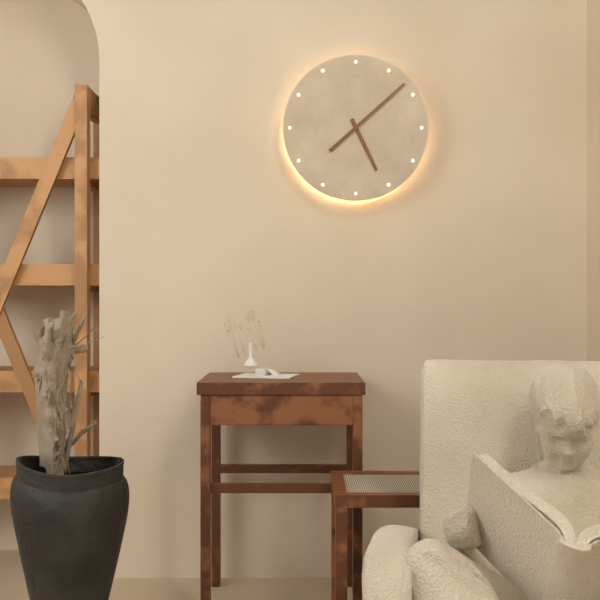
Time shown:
{"hour": 5, "minute": 8}
